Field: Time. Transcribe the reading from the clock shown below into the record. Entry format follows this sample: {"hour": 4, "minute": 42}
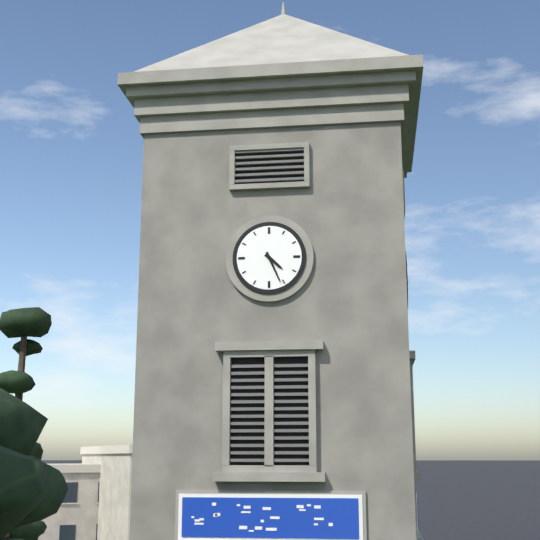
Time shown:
{"hour": 4, "minute": 26}
